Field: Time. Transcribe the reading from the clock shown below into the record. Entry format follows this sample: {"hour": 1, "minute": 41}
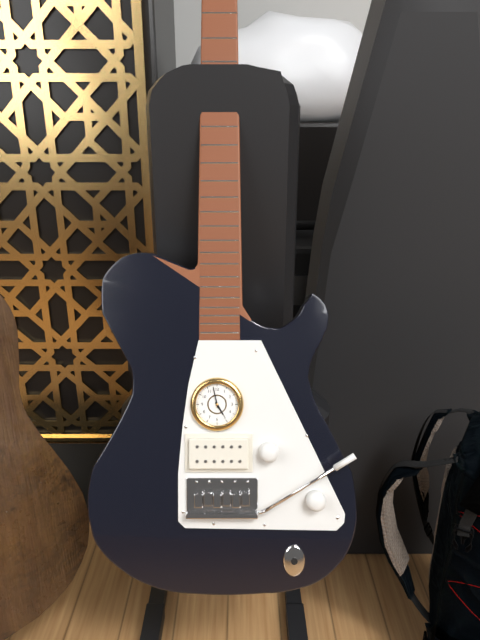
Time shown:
{"hour": 4, "minute": 58}
